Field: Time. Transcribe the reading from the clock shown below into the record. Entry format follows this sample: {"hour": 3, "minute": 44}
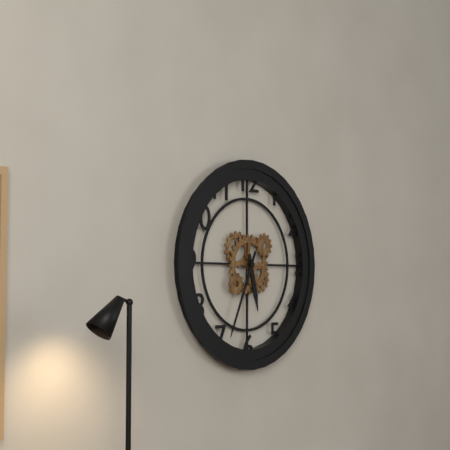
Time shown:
{"hour": 5, "minute": 34}
